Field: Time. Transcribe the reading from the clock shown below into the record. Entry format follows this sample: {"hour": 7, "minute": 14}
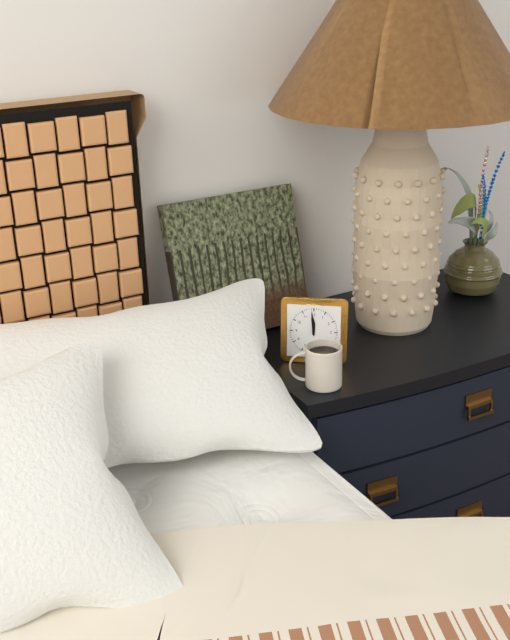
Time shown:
{"hour": 11, "minute": 59}
